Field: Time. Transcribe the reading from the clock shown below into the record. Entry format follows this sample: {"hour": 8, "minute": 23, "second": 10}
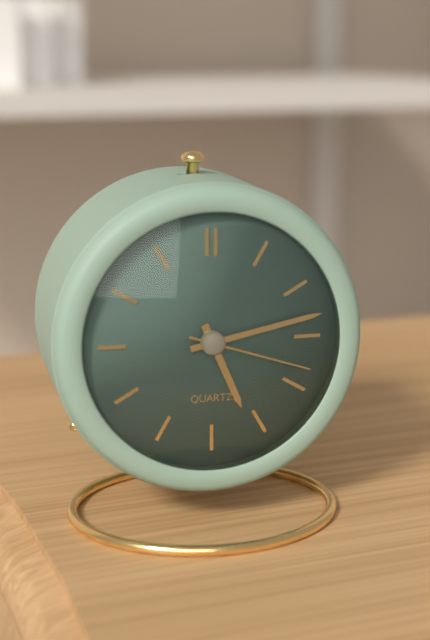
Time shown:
{"hour": 5, "minute": 13, "second": 18}
